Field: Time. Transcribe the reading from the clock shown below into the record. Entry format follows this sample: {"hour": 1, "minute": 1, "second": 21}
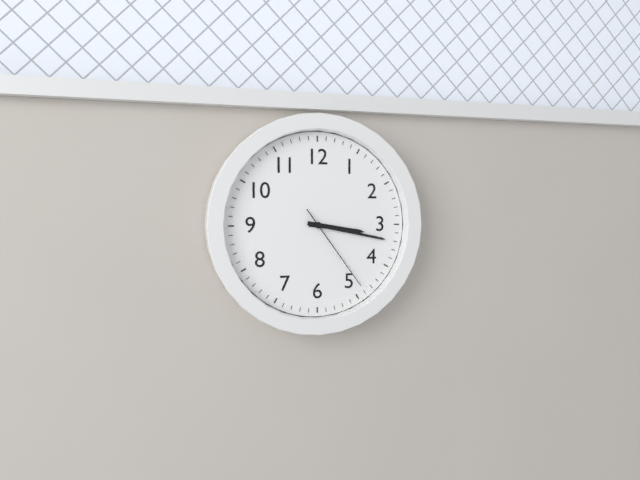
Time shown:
{"hour": 3, "minute": 17, "second": 24}
